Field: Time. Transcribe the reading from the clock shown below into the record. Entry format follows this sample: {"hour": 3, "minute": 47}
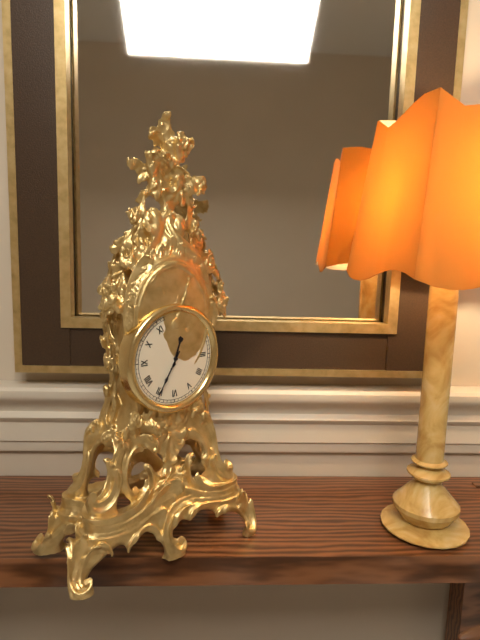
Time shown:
{"hour": 12, "minute": 35}
